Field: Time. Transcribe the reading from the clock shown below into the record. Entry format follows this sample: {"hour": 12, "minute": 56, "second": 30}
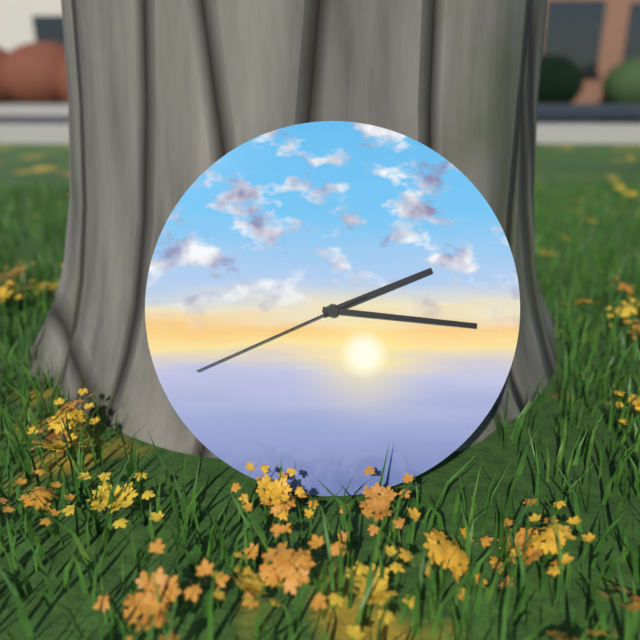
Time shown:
{"hour": 2, "minute": 16, "second": 41}
